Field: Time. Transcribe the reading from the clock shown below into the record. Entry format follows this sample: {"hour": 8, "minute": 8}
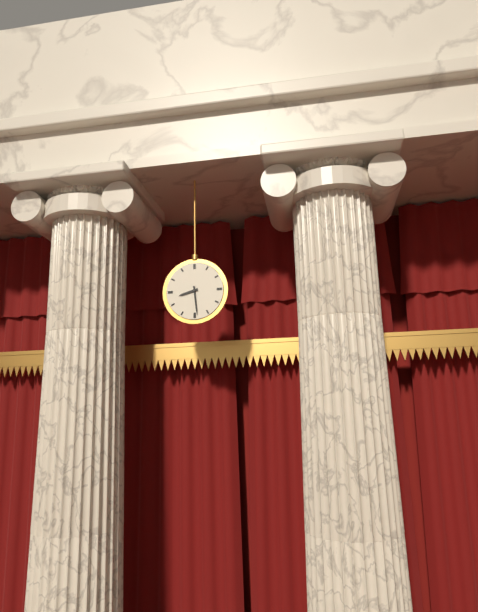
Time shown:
{"hour": 8, "minute": 29}
